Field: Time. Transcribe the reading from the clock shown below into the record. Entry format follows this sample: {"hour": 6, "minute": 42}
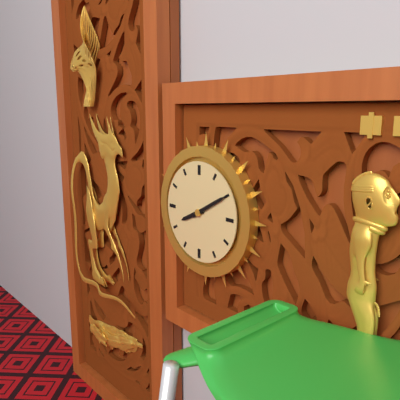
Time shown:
{"hour": 8, "minute": 10}
